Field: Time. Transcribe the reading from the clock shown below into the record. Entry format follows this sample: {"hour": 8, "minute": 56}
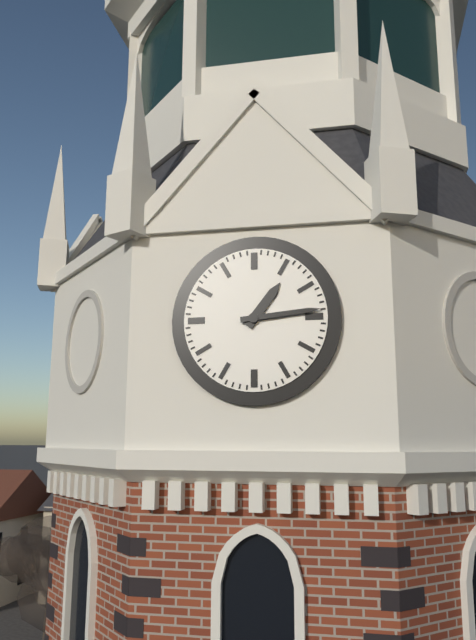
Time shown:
{"hour": 1, "minute": 14}
